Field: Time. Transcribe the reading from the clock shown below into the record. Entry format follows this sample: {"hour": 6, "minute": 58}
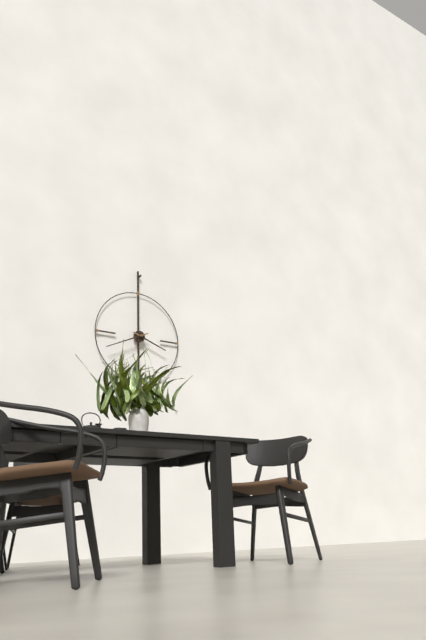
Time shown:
{"hour": 3, "minute": 41}
